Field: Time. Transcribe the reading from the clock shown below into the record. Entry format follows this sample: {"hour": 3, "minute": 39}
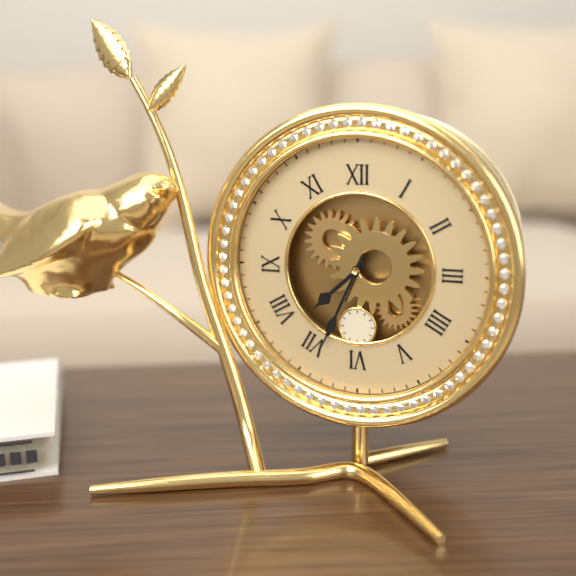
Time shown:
{"hour": 7, "minute": 34}
